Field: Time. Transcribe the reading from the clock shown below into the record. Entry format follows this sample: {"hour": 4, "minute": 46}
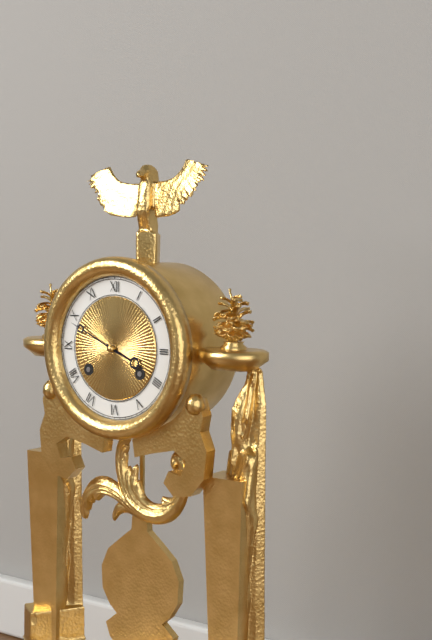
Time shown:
{"hour": 3, "minute": 49}
